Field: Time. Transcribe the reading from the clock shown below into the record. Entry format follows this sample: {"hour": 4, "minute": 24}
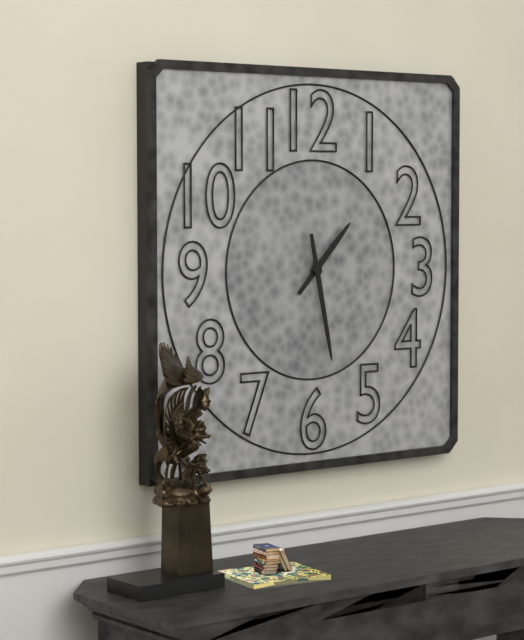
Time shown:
{"hour": 1, "minute": 28}
